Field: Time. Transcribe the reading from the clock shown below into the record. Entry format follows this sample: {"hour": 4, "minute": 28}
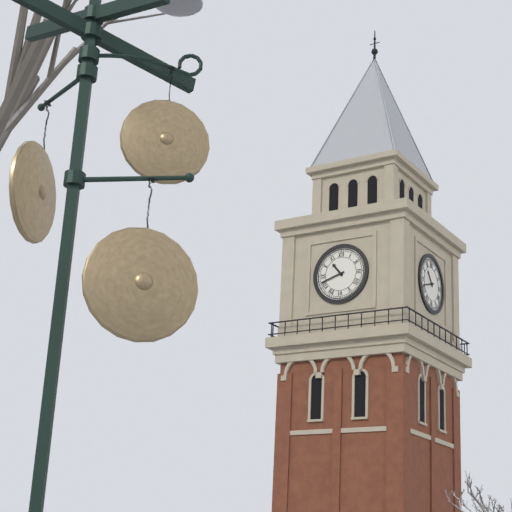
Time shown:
{"hour": 10, "minute": 42}
